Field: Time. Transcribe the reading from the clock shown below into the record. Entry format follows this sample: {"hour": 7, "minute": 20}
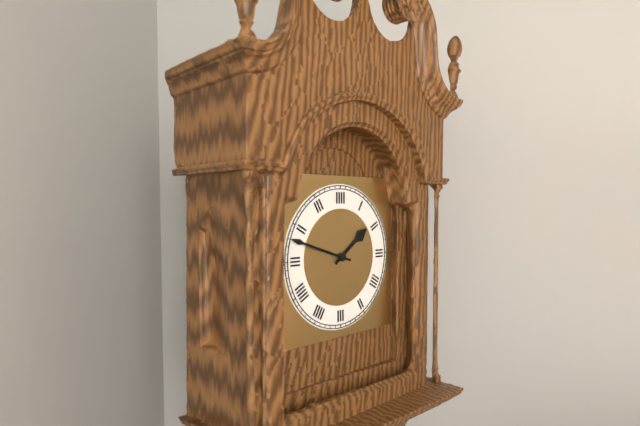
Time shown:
{"hour": 1, "minute": 48}
